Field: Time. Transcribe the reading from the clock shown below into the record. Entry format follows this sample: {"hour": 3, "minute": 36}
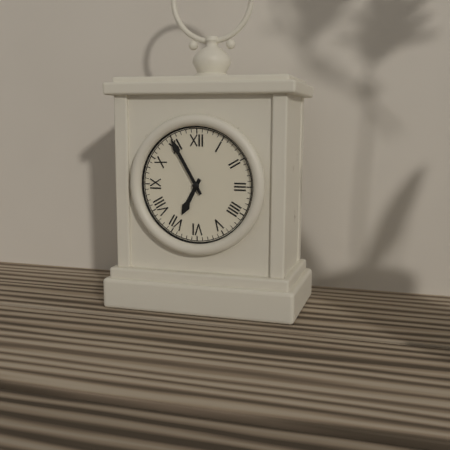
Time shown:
{"hour": 6, "minute": 55}
